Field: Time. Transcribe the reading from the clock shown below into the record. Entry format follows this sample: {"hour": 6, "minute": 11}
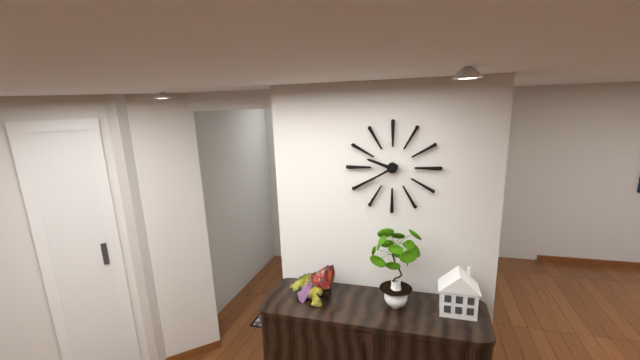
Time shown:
{"hour": 9, "minute": 40}
